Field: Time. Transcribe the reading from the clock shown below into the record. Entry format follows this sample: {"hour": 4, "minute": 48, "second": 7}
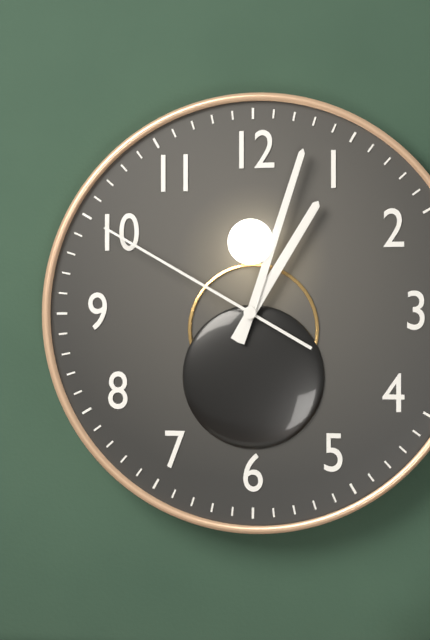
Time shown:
{"hour": 1, "minute": 3, "second": 50}
